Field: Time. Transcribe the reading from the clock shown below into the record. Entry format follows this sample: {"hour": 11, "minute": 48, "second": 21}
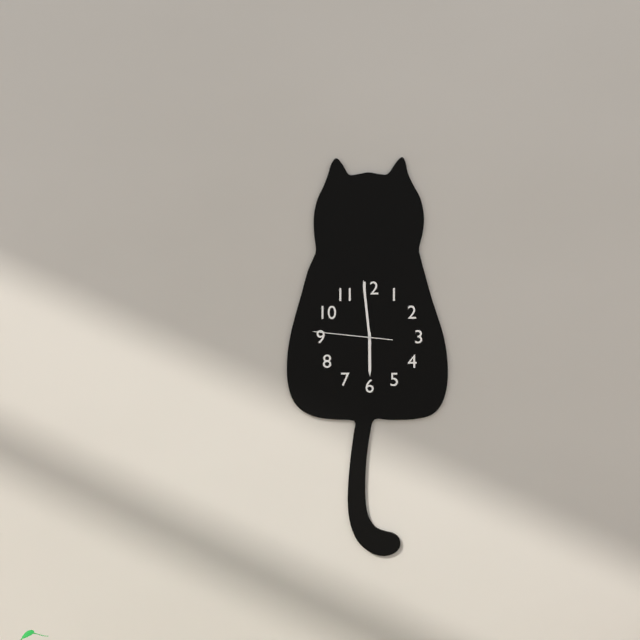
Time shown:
{"hour": 5, "minute": 59, "second": 46}
